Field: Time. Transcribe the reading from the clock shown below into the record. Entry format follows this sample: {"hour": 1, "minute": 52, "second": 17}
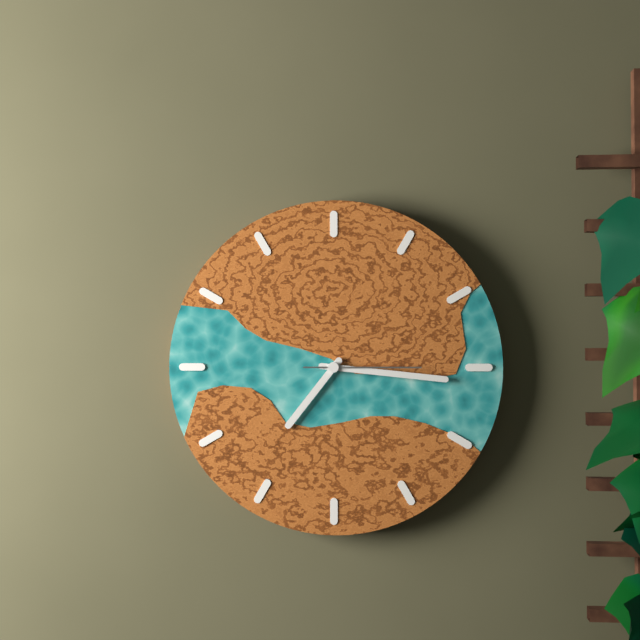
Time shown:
{"hour": 7, "minute": 16, "second": 15}
